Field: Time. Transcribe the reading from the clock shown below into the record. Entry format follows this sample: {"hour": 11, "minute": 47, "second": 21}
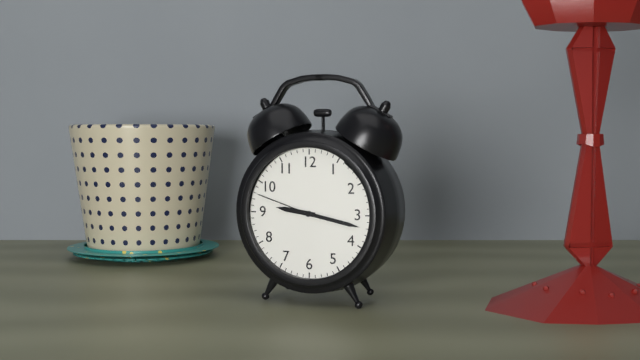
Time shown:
{"hour": 9, "minute": 17, "second": 48}
